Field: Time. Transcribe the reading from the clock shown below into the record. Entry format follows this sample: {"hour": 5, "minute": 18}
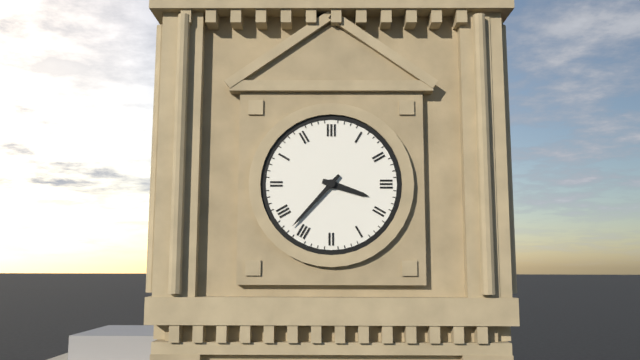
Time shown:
{"hour": 3, "minute": 37}
